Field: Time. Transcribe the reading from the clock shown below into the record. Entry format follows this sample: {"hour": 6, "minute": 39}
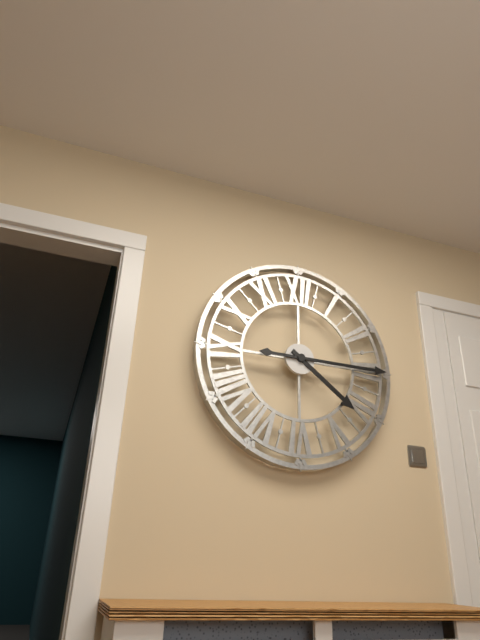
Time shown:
{"hour": 4, "minute": 15}
